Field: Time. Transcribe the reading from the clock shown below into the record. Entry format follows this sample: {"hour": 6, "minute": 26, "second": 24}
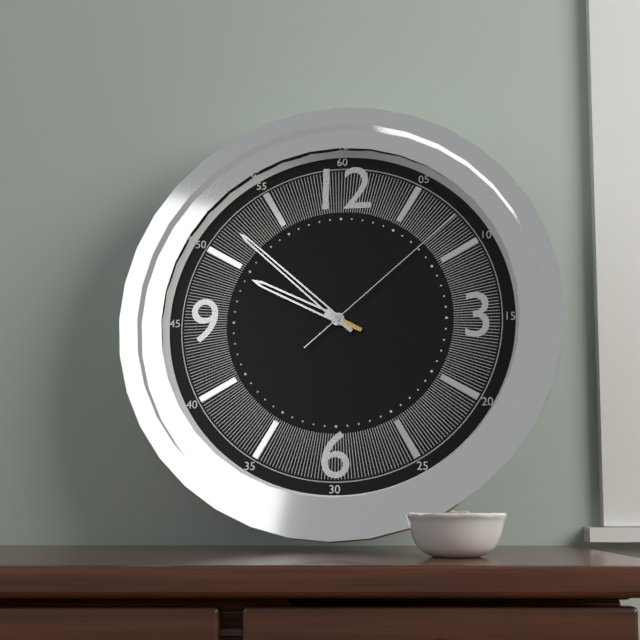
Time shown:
{"hour": 9, "minute": 52, "second": 8}
